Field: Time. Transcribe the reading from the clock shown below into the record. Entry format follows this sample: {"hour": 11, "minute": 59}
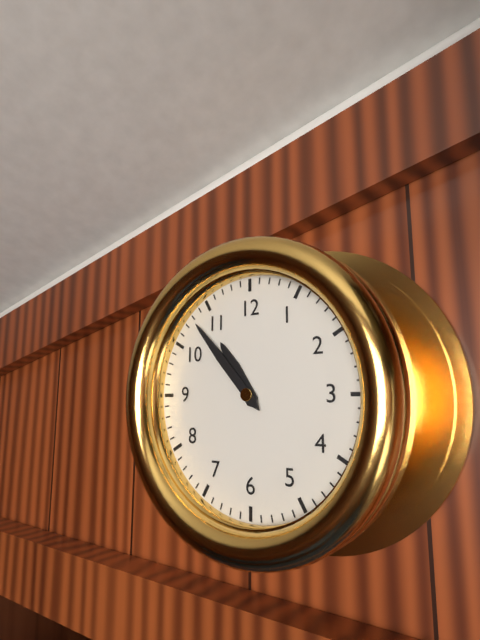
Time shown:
{"hour": 10, "minute": 53}
